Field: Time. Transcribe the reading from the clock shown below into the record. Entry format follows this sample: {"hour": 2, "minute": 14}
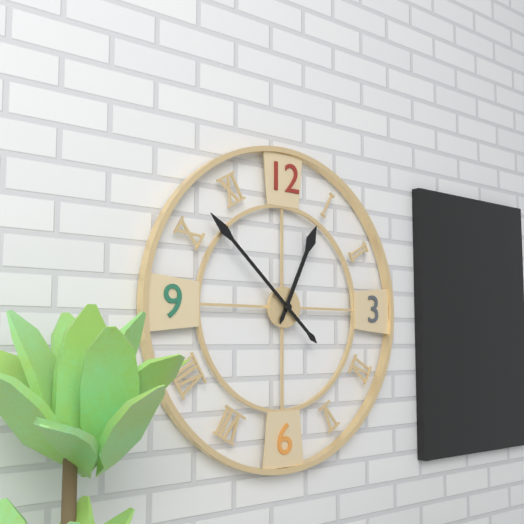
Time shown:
{"hour": 12, "minute": 52}
